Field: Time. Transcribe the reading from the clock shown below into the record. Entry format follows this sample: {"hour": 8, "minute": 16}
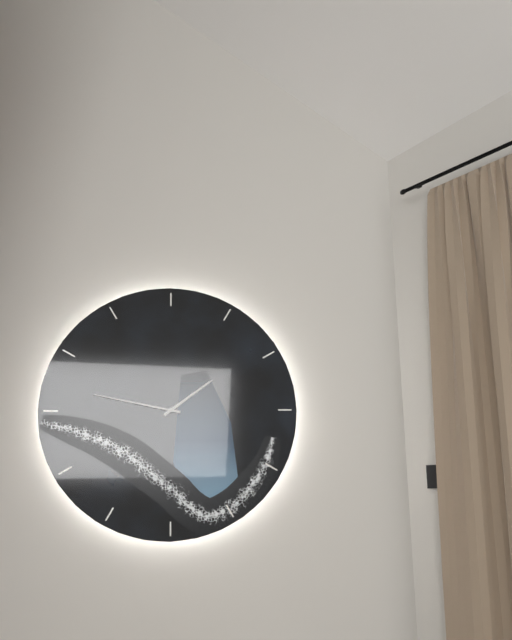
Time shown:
{"hour": 1, "minute": 47}
